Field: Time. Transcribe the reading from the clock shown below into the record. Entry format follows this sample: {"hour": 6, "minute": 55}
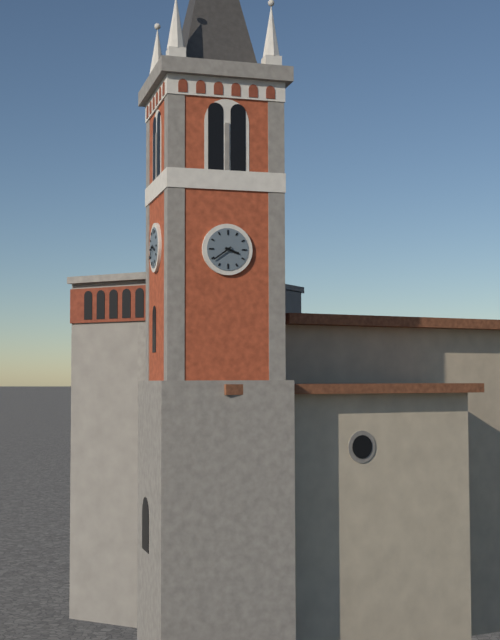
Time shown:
{"hour": 3, "minute": 39}
